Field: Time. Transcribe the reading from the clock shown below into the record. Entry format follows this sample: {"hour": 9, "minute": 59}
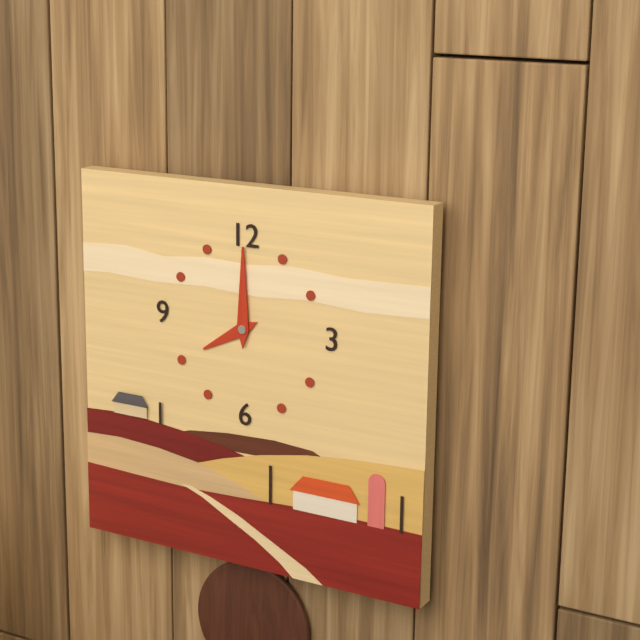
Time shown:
{"hour": 8, "minute": 0}
